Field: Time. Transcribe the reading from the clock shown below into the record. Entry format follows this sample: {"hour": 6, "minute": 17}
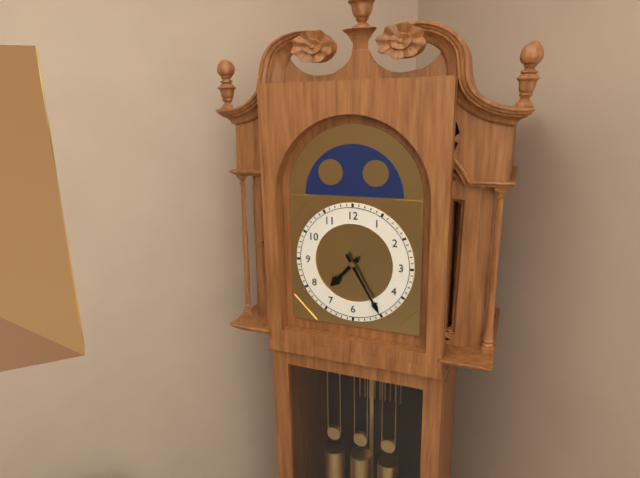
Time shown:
{"hour": 7, "minute": 25}
